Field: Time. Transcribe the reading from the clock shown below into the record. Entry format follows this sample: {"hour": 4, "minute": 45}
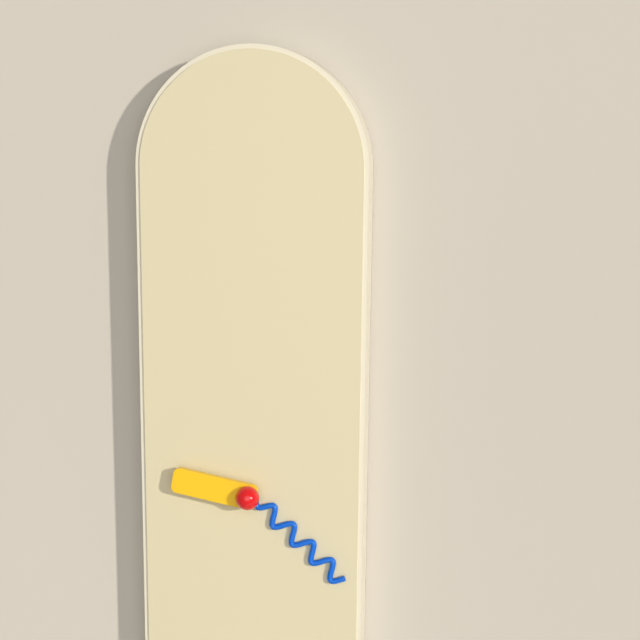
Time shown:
{"hour": 9, "minute": 22}
